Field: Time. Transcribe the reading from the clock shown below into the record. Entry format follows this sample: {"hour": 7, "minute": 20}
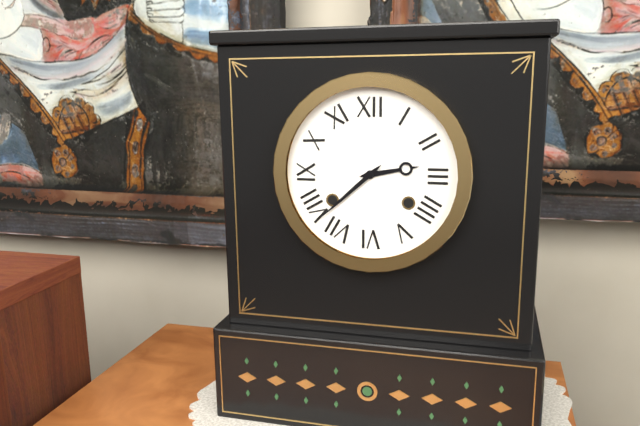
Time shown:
{"hour": 2, "minute": 38}
